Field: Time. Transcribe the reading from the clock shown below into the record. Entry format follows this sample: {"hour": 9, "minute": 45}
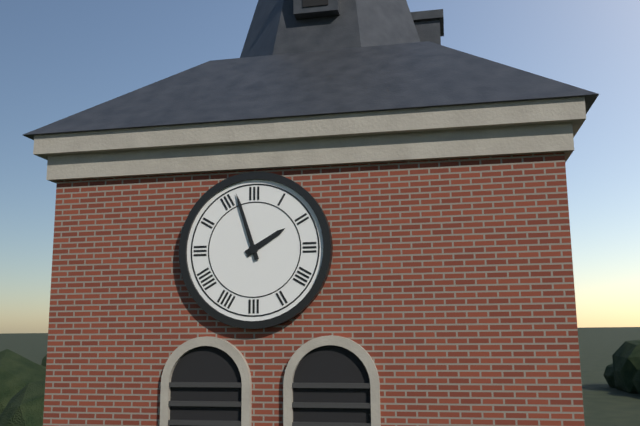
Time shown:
{"hour": 1, "minute": 57}
